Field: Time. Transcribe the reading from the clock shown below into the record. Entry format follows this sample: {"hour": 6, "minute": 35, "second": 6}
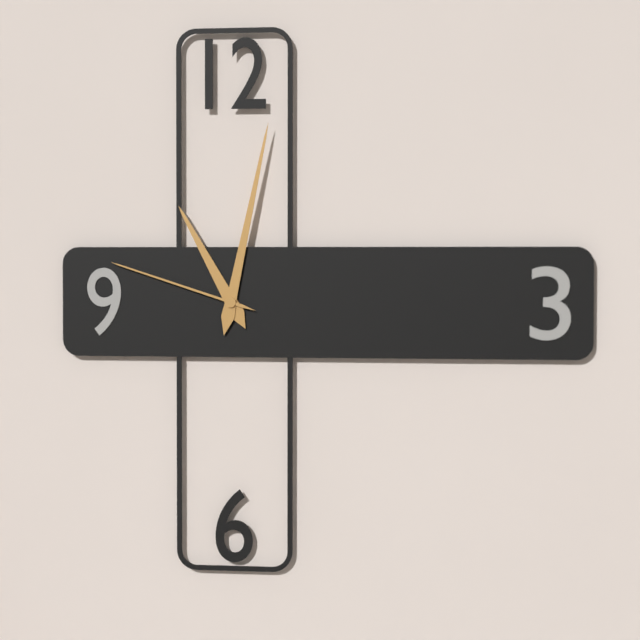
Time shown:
{"hour": 11, "minute": 2, "second": 48}
